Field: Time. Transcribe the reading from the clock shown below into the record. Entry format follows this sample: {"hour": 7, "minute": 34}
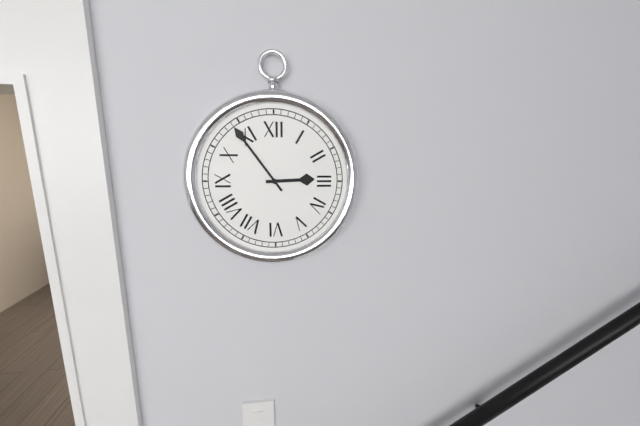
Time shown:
{"hour": 2, "minute": 54}
